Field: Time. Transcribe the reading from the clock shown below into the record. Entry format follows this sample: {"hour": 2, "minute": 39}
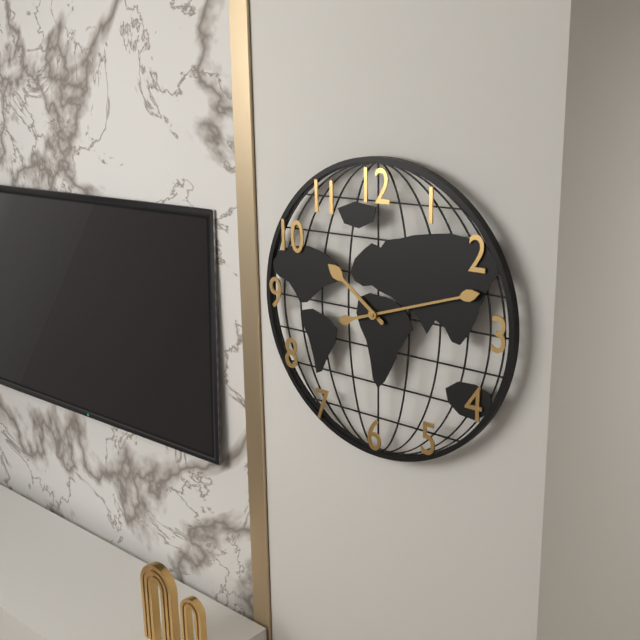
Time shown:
{"hour": 10, "minute": 12}
